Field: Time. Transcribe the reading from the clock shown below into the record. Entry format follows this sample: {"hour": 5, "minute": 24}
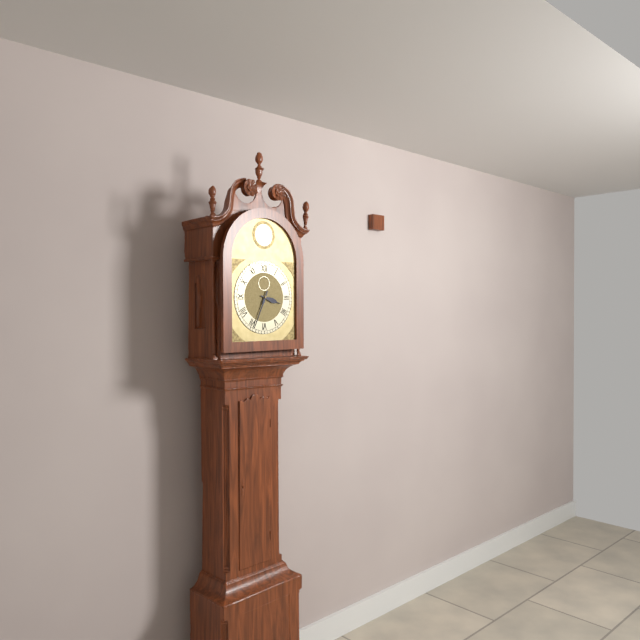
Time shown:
{"hour": 3, "minute": 34}
